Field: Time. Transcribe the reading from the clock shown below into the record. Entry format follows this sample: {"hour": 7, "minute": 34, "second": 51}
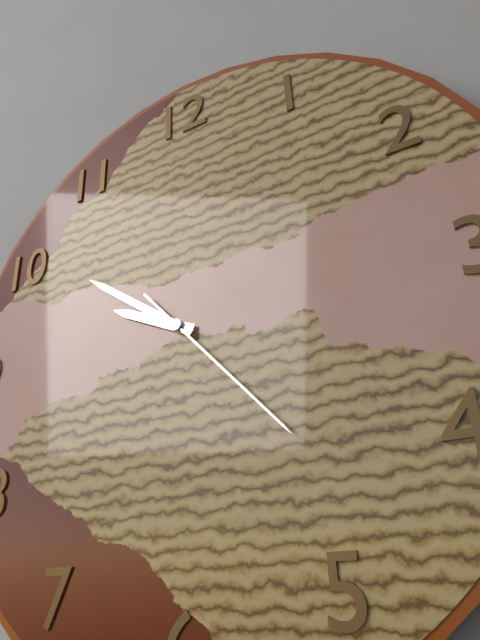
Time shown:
{"hour": 9, "minute": 51, "second": 23}
